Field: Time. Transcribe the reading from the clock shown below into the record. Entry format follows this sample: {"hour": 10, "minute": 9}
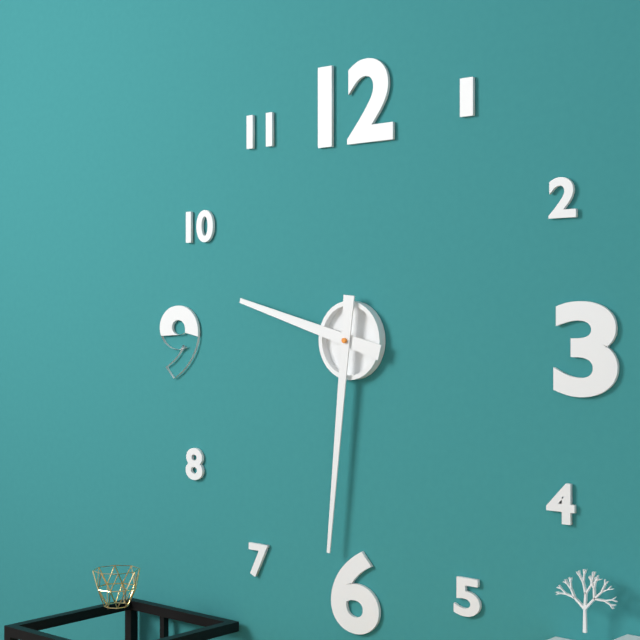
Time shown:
{"hour": 9, "minute": 31}
